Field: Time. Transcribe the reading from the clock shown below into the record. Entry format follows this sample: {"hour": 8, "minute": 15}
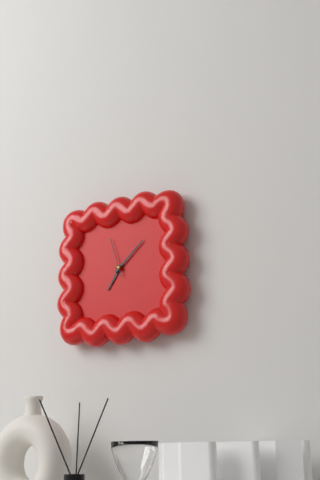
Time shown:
{"hour": 7, "minute": 8}
